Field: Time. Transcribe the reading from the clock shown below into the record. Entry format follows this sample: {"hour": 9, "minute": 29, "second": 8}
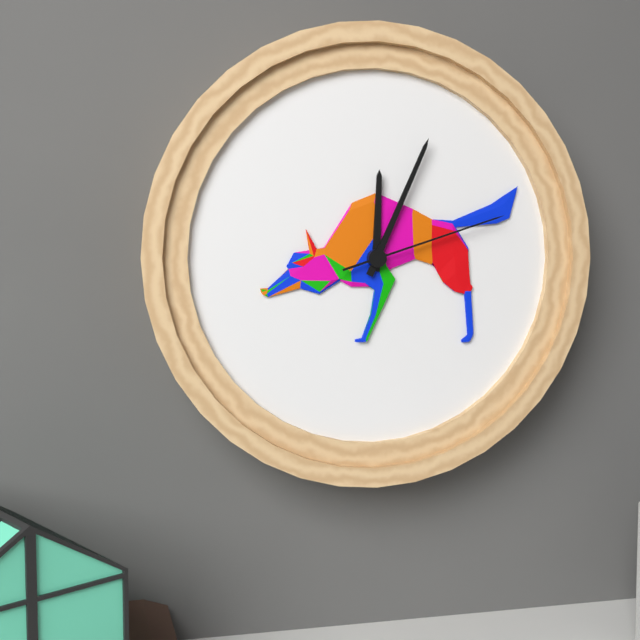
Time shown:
{"hour": 12, "minute": 4, "second": 12}
